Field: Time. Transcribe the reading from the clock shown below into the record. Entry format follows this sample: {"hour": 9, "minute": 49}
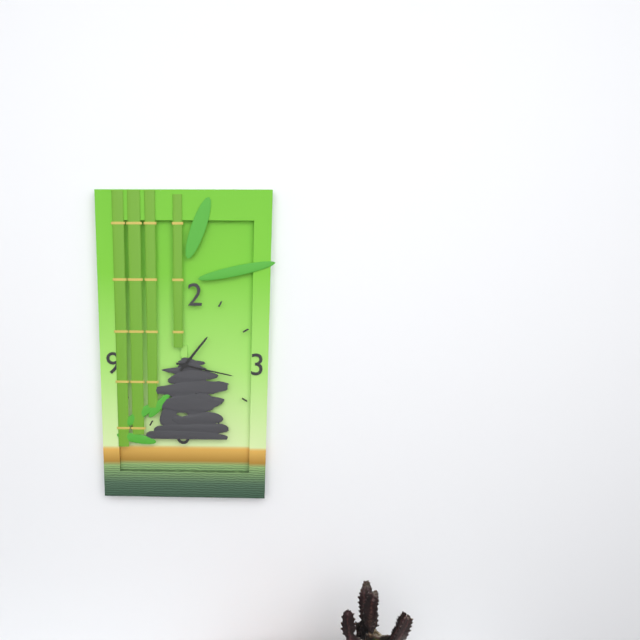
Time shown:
{"hour": 1, "minute": 17}
